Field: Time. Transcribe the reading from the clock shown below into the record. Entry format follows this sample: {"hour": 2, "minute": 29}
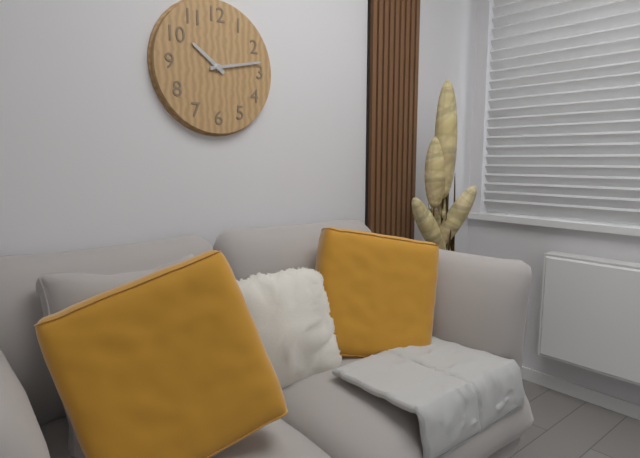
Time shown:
{"hour": 10, "minute": 13}
